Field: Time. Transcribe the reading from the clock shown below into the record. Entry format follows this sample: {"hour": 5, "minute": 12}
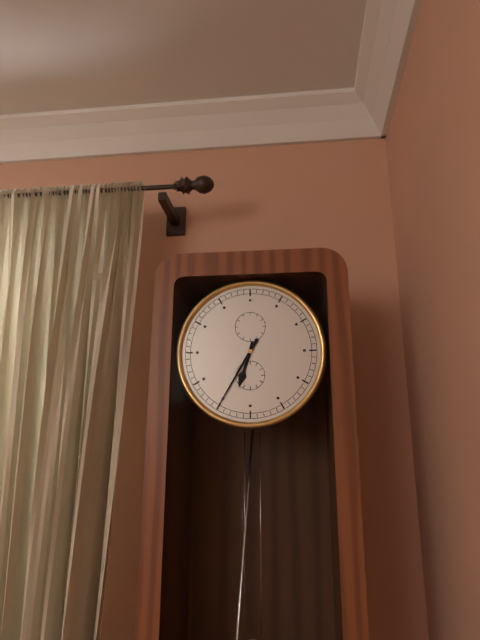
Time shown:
{"hour": 6, "minute": 35}
